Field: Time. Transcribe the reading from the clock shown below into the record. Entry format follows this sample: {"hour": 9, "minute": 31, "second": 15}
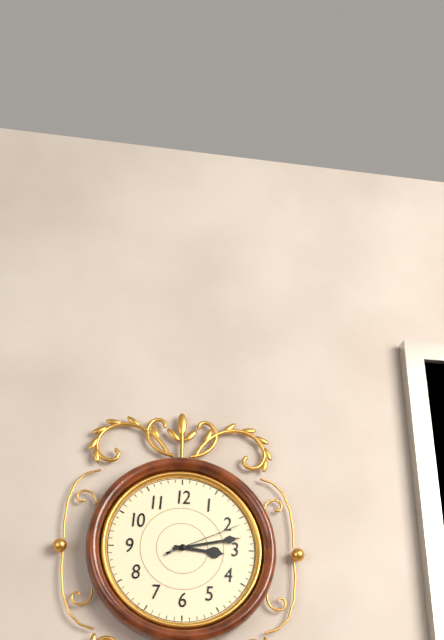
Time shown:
{"hour": 3, "minute": 13, "second": 11}
